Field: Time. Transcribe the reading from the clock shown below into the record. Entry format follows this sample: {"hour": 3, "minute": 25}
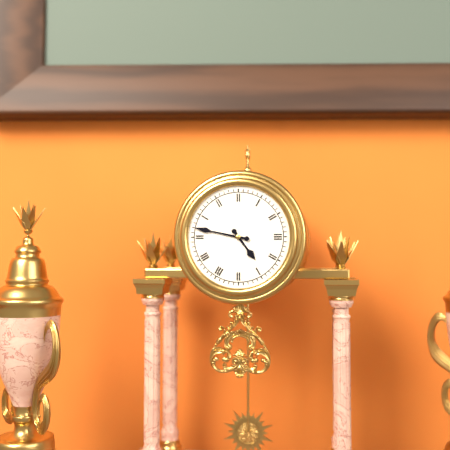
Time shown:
{"hour": 4, "minute": 47}
